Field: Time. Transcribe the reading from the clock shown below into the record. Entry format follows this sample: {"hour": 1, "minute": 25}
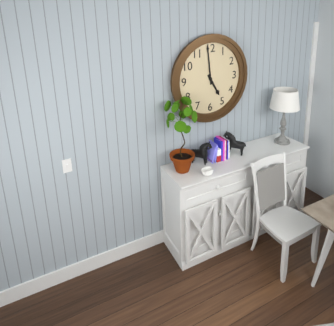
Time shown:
{"hour": 4, "minute": 59}
